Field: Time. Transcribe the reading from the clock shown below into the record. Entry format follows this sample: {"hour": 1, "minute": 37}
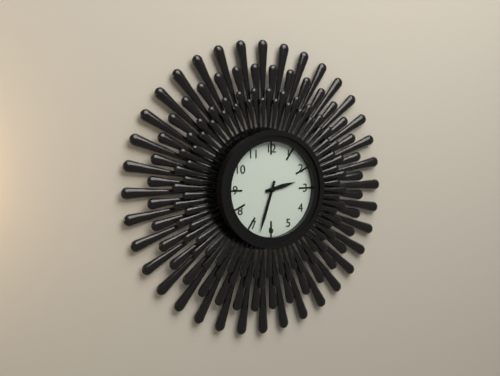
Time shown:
{"hour": 2, "minute": 33}
